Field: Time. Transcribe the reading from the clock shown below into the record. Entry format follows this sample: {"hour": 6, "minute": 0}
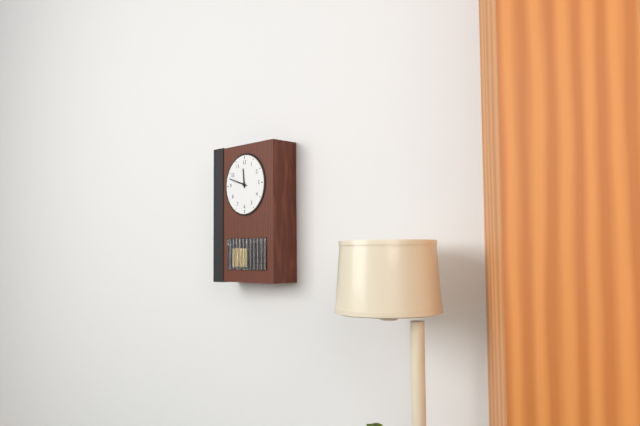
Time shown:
{"hour": 11, "minute": 48}
